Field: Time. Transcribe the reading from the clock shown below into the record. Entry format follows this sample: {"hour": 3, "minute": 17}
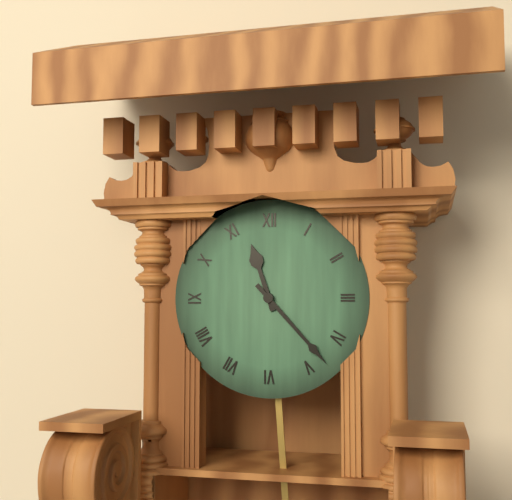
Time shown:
{"hour": 11, "minute": 23}
